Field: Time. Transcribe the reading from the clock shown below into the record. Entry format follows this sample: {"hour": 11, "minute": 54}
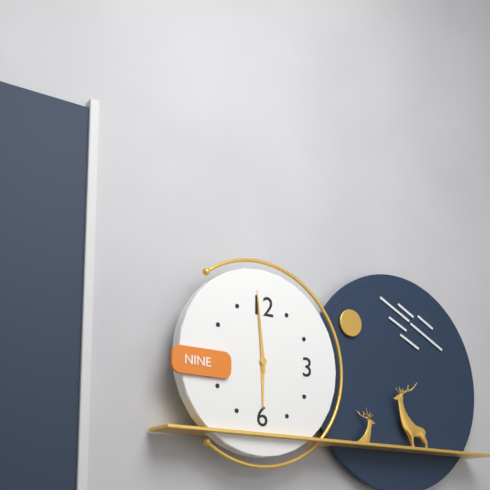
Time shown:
{"hour": 5, "minute": 59}
